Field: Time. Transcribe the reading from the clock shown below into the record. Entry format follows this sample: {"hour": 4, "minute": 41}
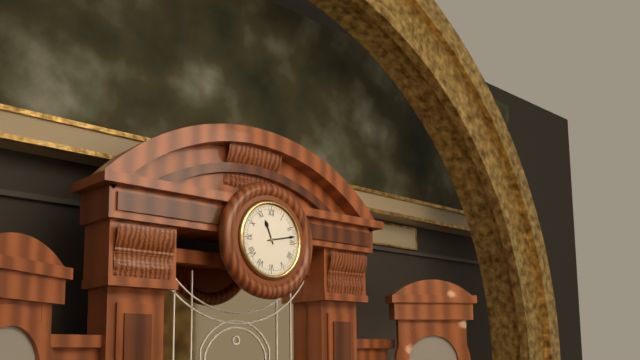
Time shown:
{"hour": 11, "minute": 13}
